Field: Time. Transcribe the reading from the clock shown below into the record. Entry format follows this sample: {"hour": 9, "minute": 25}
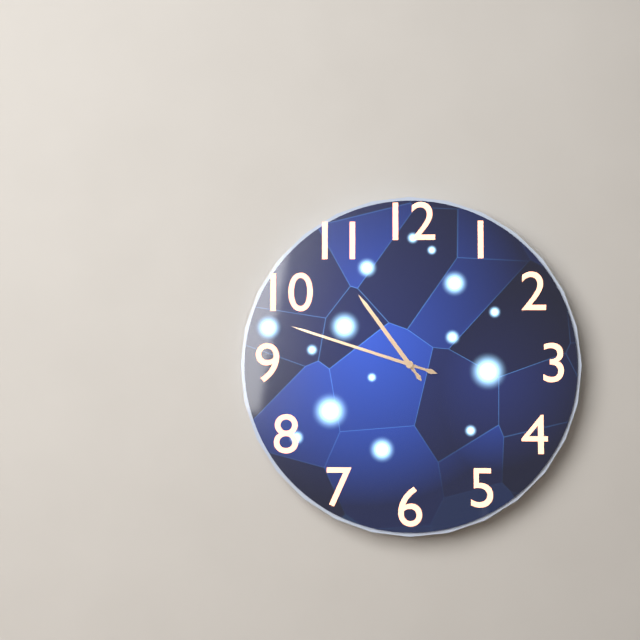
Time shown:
{"hour": 10, "minute": 48}
